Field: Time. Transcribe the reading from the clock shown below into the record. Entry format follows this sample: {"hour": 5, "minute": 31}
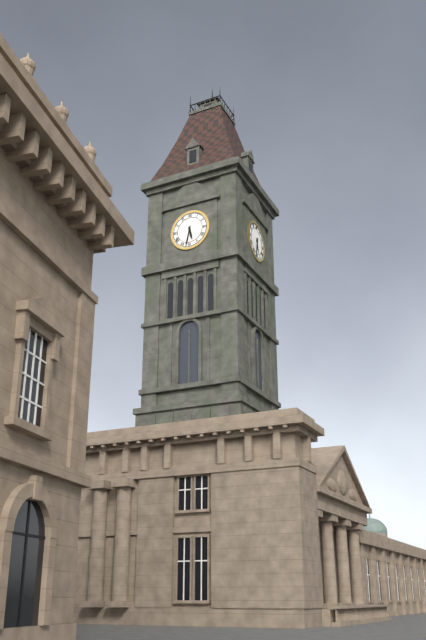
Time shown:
{"hour": 5, "minute": 32}
